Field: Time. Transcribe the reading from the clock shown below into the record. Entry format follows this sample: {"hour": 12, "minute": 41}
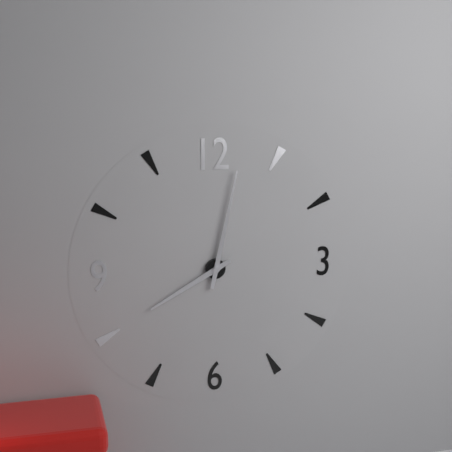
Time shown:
{"hour": 8, "minute": 2}
